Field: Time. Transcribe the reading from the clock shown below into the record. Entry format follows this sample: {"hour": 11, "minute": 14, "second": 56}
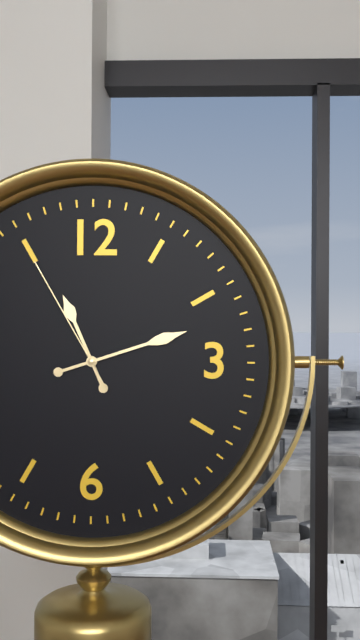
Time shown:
{"hour": 11, "minute": 12, "second": 55}
